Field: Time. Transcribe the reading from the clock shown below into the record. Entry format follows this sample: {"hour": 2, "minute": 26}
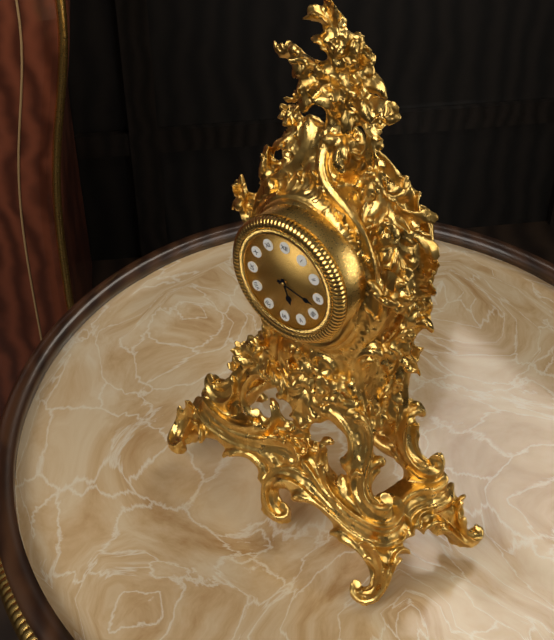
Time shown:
{"hour": 5, "minute": 17}
